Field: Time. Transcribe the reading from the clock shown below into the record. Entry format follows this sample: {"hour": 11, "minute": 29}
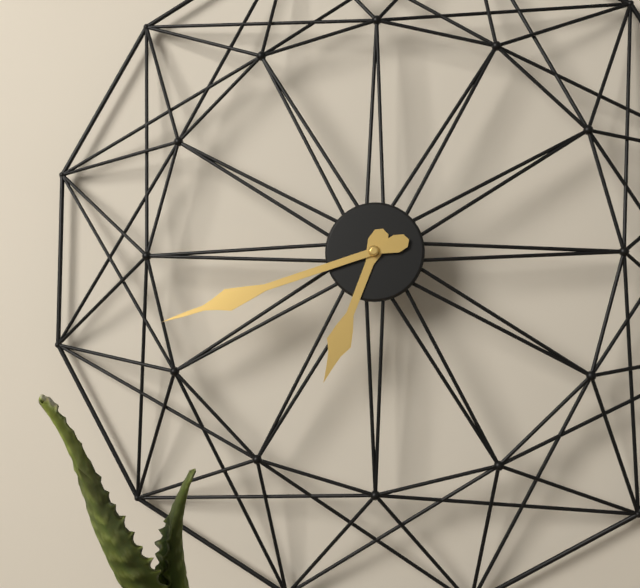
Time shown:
{"hour": 6, "minute": 42}
